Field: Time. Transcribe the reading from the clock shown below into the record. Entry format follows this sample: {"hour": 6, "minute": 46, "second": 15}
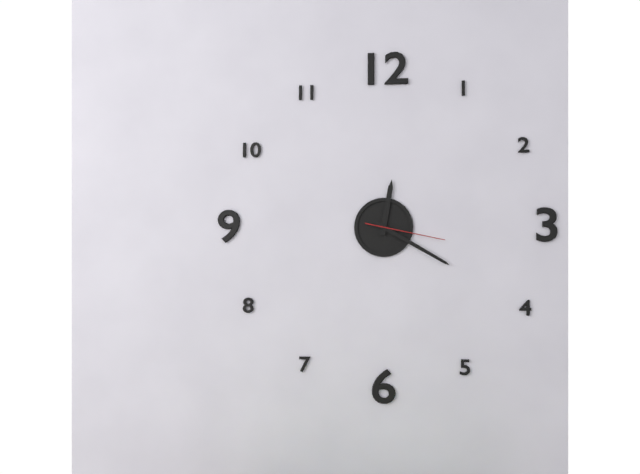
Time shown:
{"hour": 12, "minute": 20, "second": 17}
